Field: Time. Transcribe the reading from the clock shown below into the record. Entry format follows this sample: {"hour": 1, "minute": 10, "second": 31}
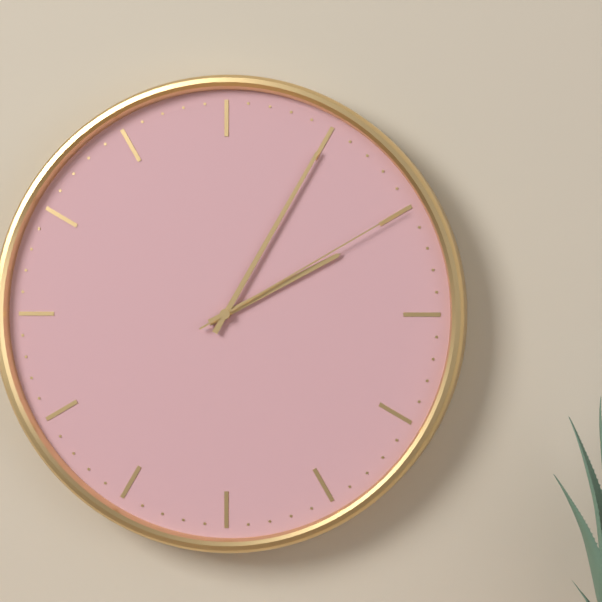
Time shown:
{"hour": 2, "minute": 5, "second": 10}
